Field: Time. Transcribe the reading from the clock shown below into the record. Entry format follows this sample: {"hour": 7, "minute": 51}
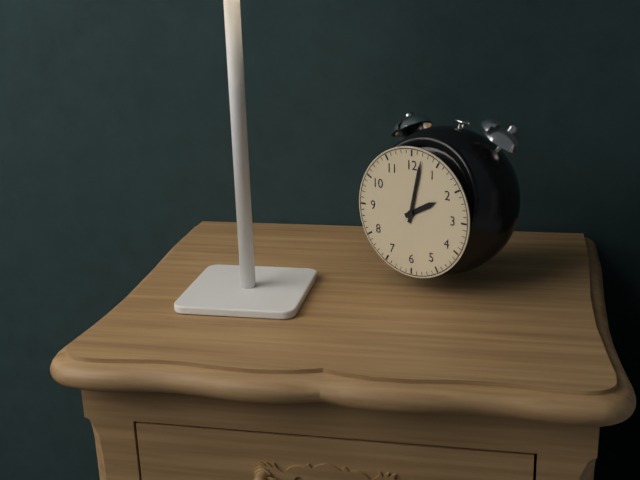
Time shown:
{"hour": 2, "minute": 2}
